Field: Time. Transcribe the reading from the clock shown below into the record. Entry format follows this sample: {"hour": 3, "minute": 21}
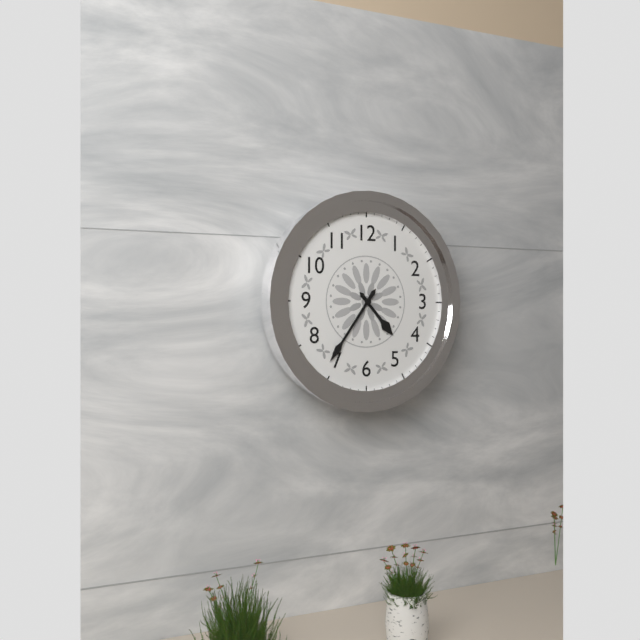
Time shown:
{"hour": 4, "minute": 36}
